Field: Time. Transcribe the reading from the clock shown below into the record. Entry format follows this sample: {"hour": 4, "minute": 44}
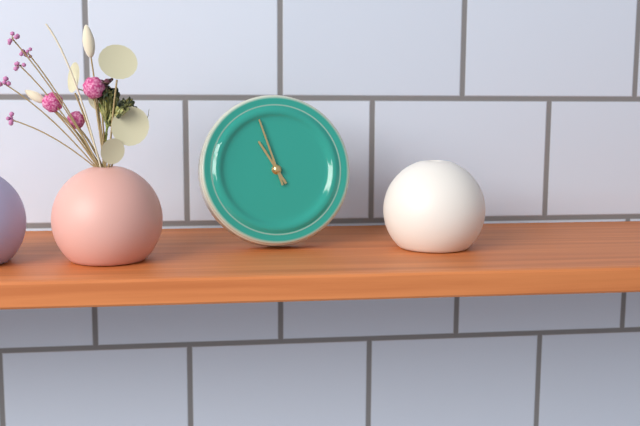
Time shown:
{"hour": 10, "minute": 57}
